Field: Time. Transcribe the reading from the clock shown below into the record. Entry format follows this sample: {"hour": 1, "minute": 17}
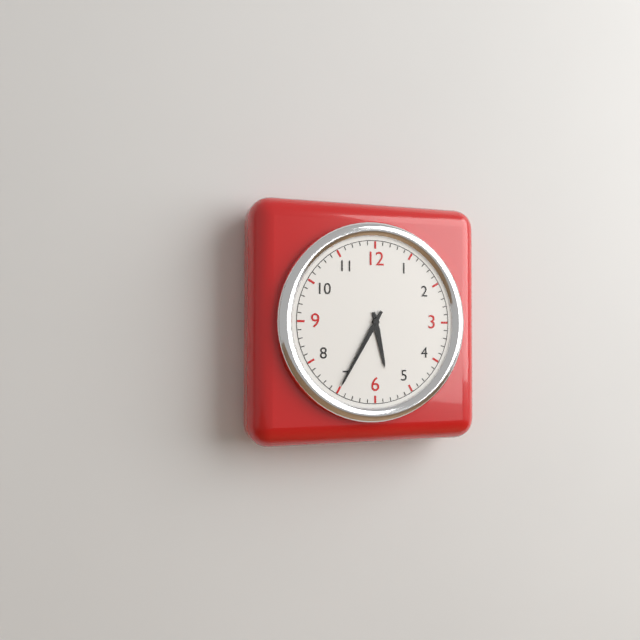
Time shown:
{"hour": 5, "minute": 35}
